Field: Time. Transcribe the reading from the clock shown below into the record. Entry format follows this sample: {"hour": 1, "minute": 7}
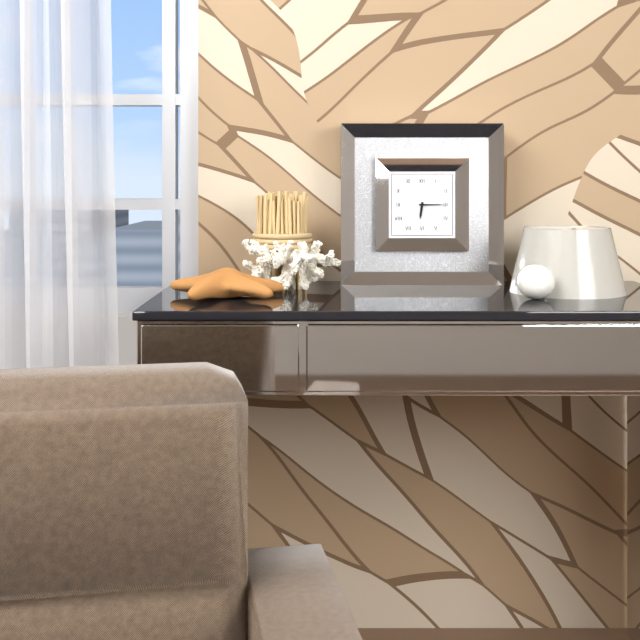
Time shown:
{"hour": 6, "minute": 15}
